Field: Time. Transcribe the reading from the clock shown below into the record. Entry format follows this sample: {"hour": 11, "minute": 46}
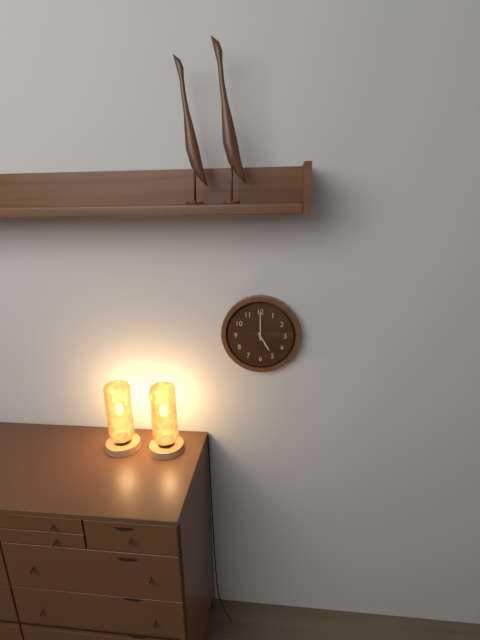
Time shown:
{"hour": 5, "minute": 0}
